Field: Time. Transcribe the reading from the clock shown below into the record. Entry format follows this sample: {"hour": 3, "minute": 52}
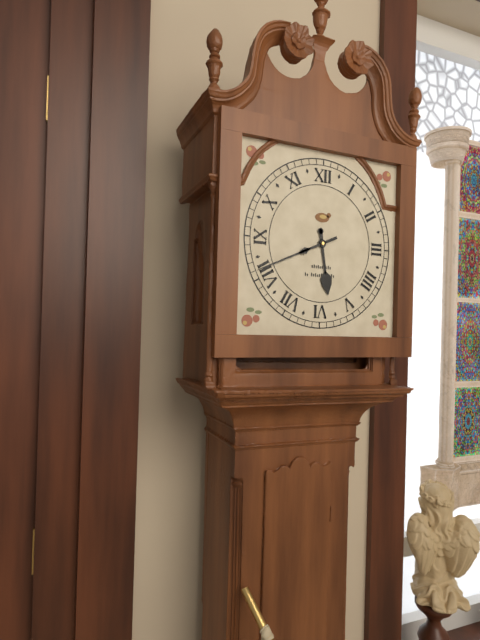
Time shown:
{"hour": 5, "minute": 41}
